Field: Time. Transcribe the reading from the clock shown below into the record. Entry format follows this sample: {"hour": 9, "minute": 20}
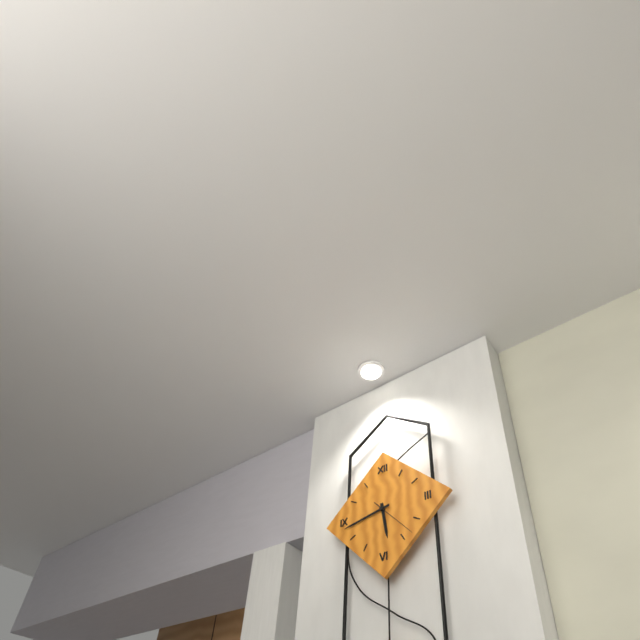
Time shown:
{"hour": 5, "minute": 43}
